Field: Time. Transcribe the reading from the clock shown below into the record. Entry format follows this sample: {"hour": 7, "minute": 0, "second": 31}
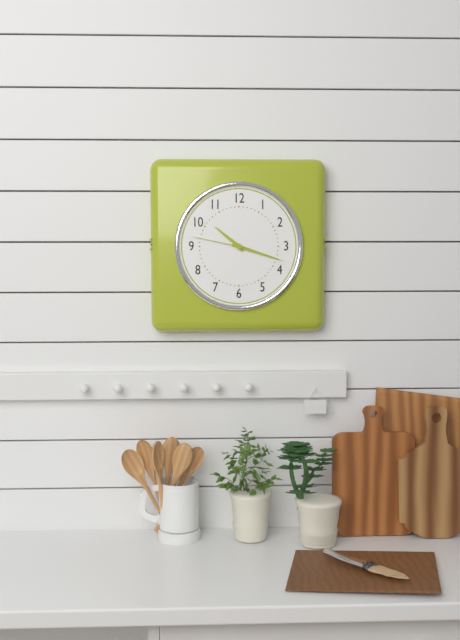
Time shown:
{"hour": 10, "minute": 18, "second": 47}
